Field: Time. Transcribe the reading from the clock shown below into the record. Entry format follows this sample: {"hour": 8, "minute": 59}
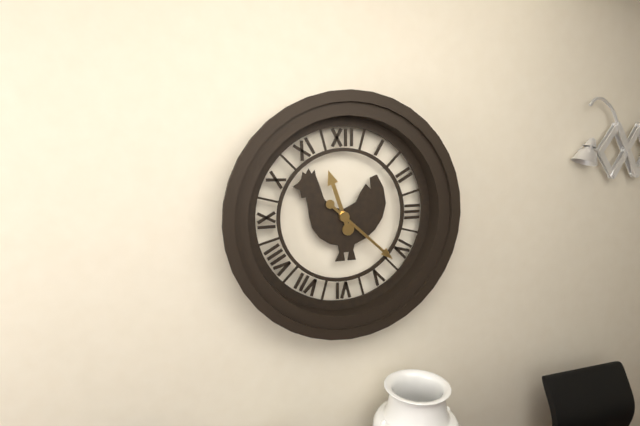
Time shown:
{"hour": 11, "minute": 22}
